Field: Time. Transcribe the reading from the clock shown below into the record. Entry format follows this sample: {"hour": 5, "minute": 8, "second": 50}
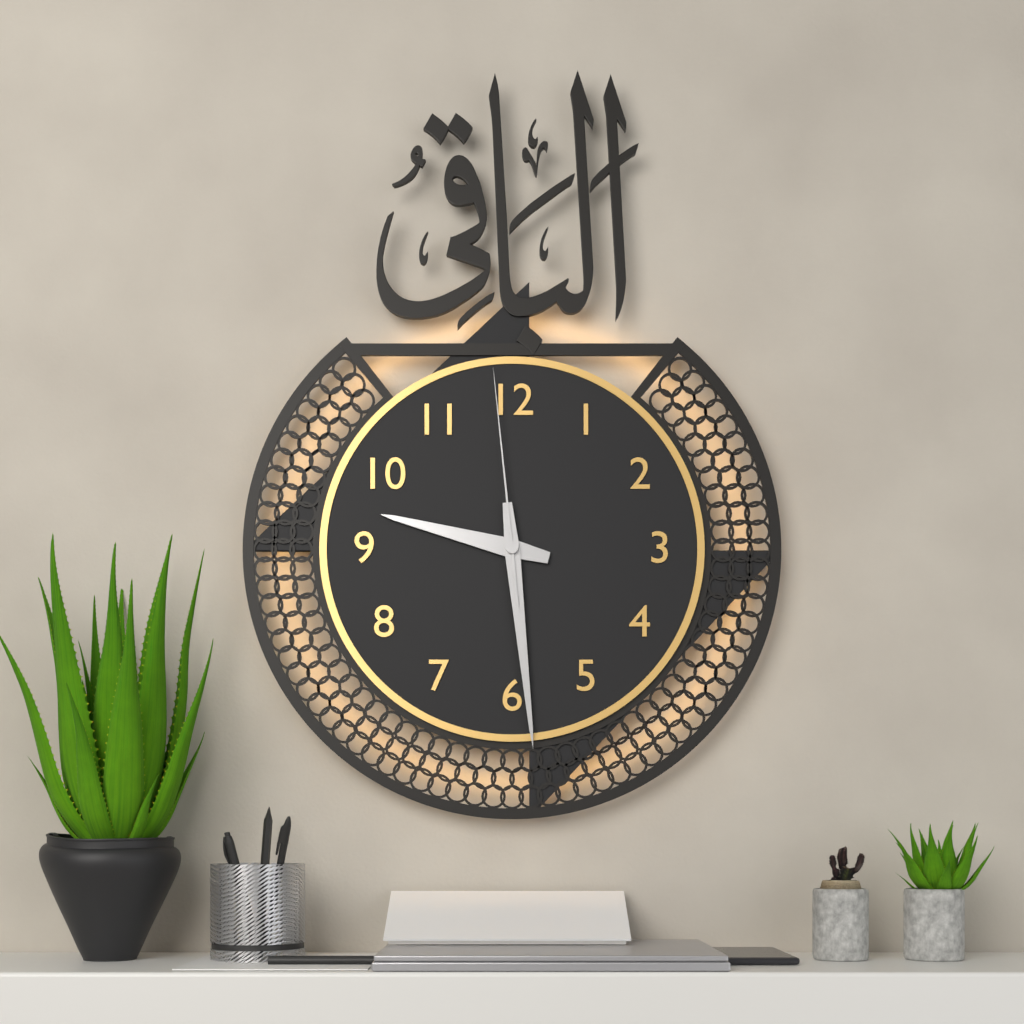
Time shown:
{"hour": 9, "minute": 29, "second": 59}
